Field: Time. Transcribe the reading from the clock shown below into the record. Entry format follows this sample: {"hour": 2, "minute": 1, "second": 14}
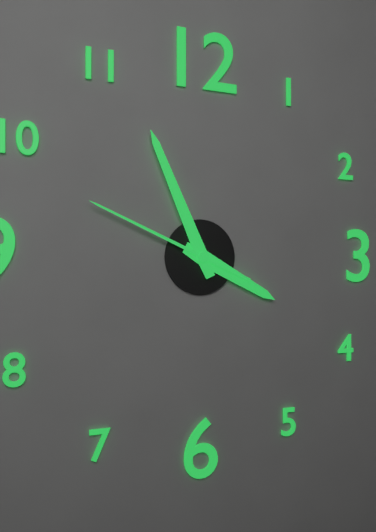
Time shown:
{"hour": 3, "minute": 56, "second": 49}
